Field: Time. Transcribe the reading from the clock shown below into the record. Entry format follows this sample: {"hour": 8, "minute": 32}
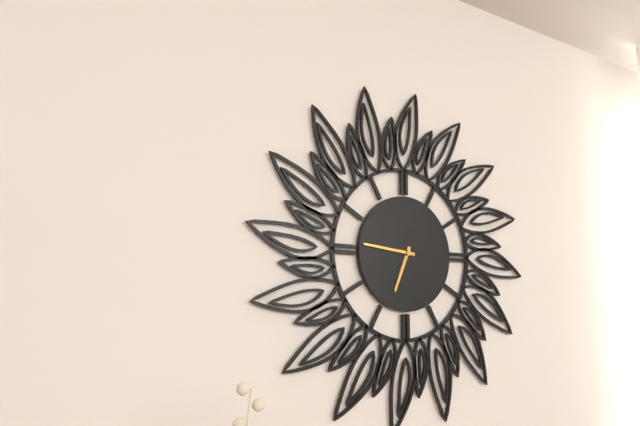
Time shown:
{"hour": 6, "minute": 46}
